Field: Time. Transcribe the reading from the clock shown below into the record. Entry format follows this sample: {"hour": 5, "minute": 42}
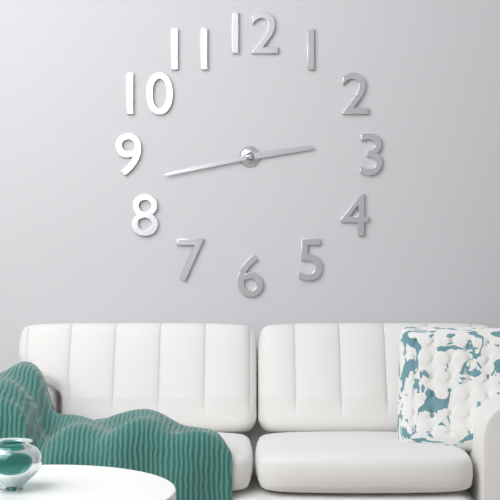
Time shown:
{"hour": 2, "minute": 43}
